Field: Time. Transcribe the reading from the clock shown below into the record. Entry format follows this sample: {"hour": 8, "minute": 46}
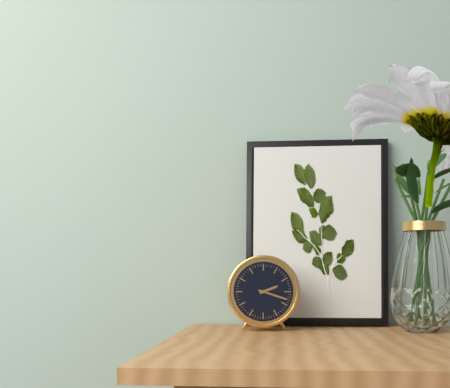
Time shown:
{"hour": 2, "minute": 18}
